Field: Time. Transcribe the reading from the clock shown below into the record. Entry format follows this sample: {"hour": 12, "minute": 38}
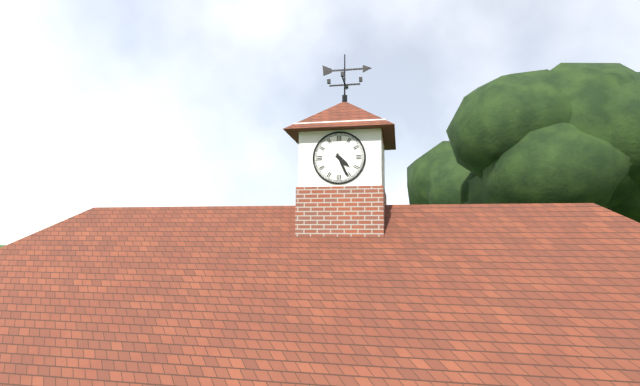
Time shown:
{"hour": 4, "minute": 26}
